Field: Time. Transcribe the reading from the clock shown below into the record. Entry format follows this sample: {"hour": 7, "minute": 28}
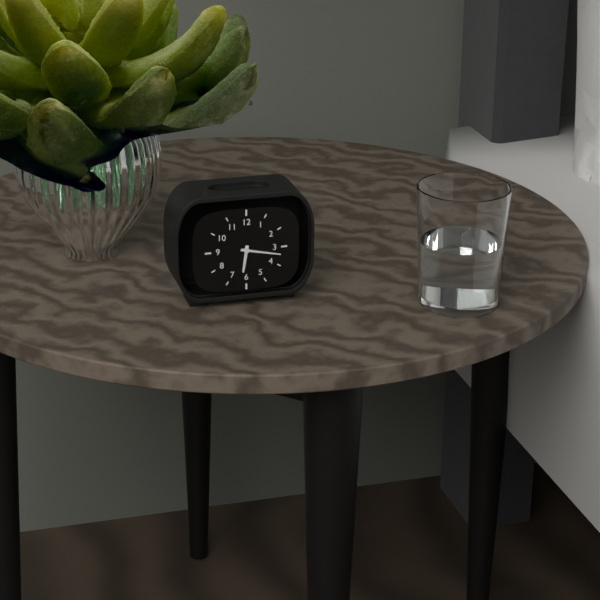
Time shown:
{"hour": 6, "minute": 17}
